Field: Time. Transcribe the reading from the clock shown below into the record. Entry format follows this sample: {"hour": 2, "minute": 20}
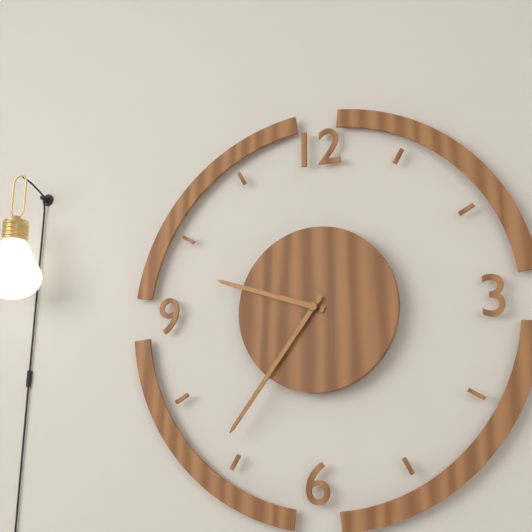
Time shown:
{"hour": 9, "minute": 36}
